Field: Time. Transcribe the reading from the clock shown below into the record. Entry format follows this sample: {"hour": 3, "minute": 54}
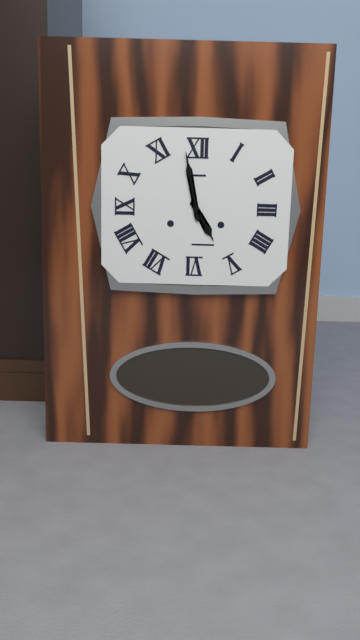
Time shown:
{"hour": 4, "minute": 58}
